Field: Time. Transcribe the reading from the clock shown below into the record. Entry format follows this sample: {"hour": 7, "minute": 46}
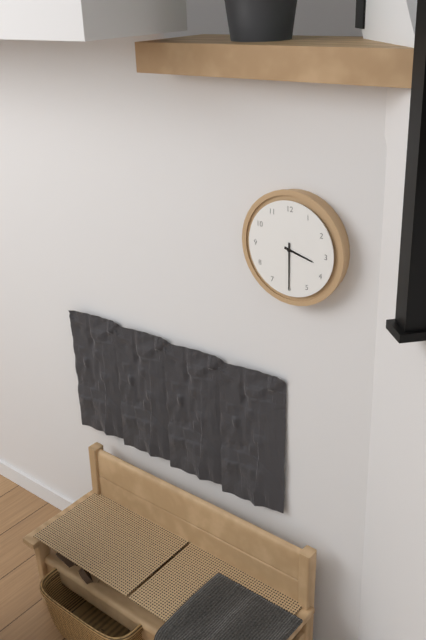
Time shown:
{"hour": 3, "minute": 30}
